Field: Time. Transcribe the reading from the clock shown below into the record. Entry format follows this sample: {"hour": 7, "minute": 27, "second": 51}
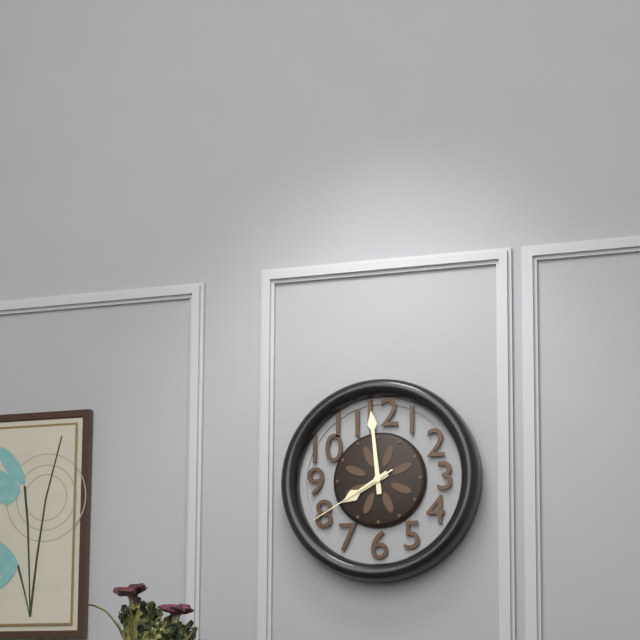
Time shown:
{"hour": 7, "minute": 59, "second": 40}
